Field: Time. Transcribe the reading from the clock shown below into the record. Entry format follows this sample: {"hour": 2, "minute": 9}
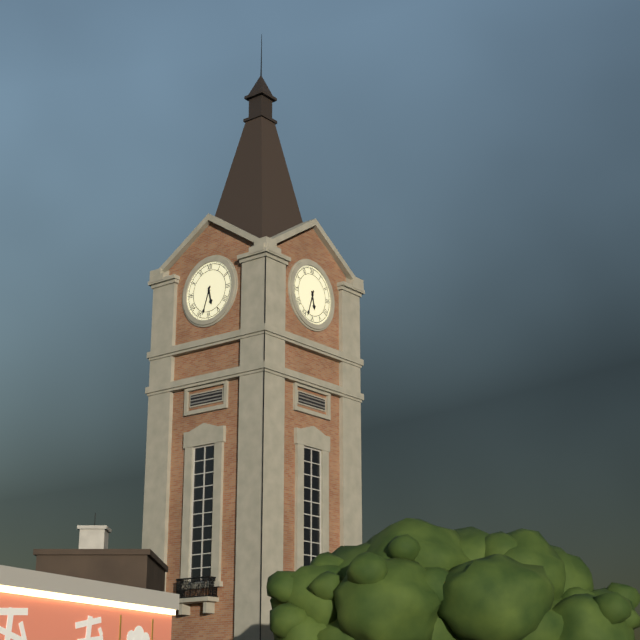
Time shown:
{"hour": 5, "minute": 33}
